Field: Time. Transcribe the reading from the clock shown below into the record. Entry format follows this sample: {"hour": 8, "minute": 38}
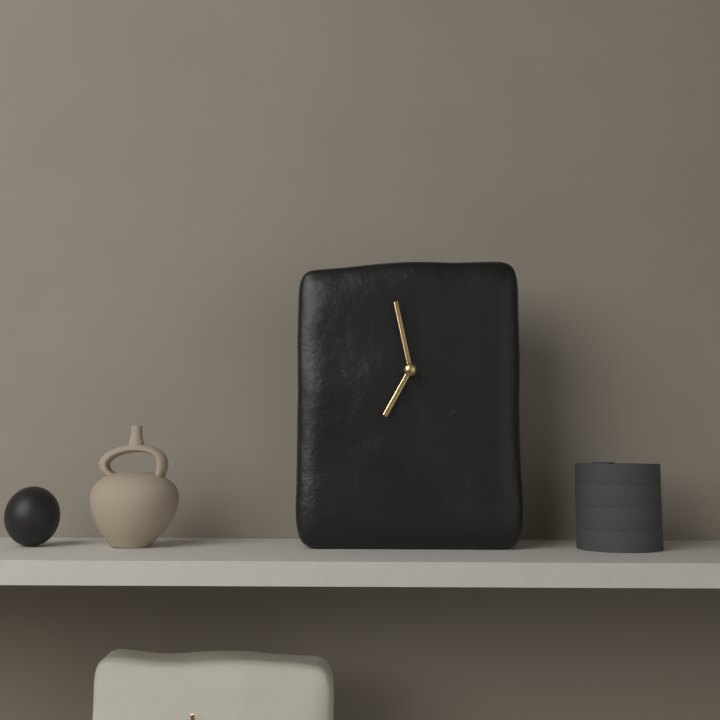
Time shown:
{"hour": 6, "minute": 58}
